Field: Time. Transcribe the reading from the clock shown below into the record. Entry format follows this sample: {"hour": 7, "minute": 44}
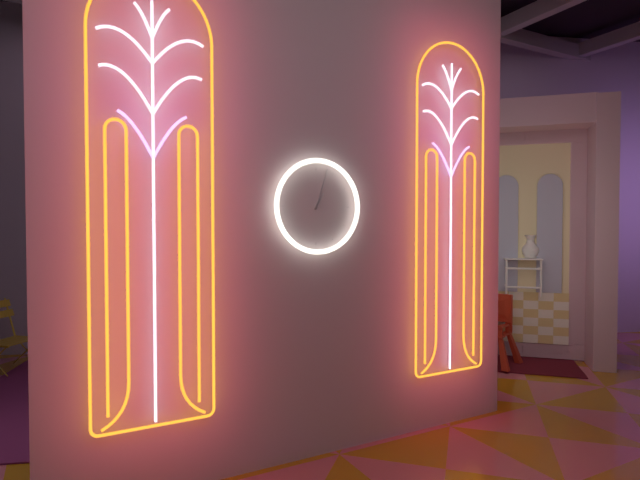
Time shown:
{"hour": 1, "minute": 3}
